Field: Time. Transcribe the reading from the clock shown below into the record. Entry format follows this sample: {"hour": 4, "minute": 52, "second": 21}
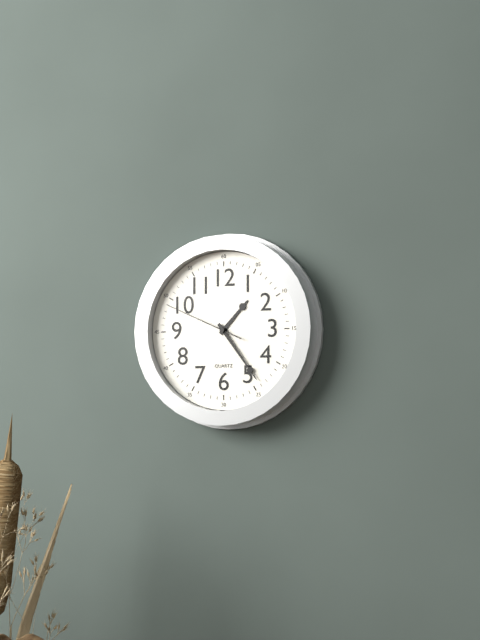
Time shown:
{"hour": 1, "minute": 24, "second": 49}
